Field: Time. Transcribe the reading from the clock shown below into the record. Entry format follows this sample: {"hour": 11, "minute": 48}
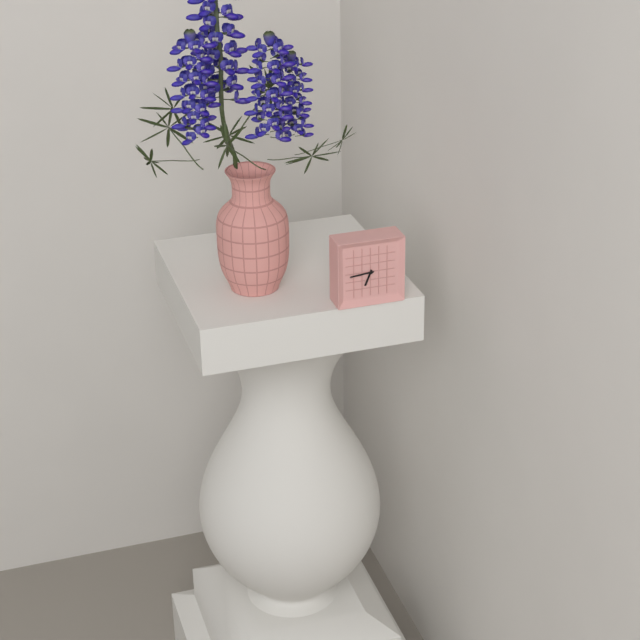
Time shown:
{"hour": 6, "minute": 44}
